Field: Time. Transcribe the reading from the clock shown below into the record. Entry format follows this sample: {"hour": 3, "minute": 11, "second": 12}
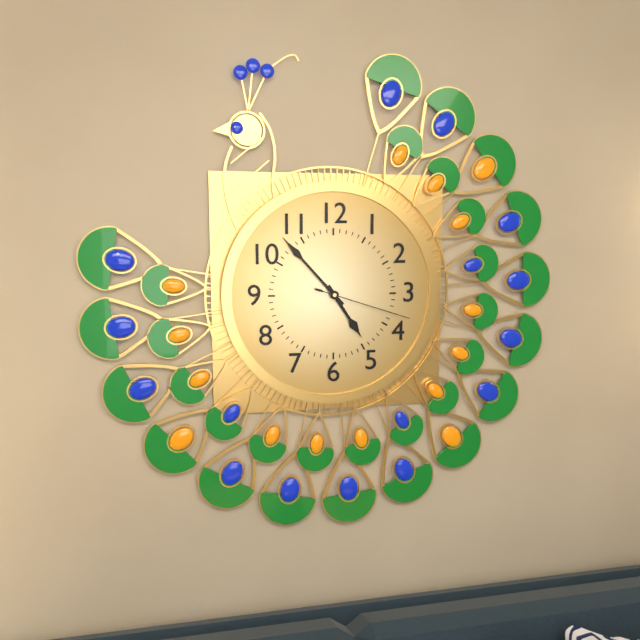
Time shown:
{"hour": 4, "minute": 53, "second": 18}
